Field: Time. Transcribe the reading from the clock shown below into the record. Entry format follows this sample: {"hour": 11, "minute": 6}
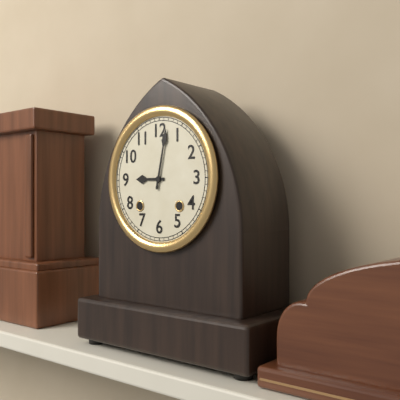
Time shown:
{"hour": 9, "minute": 2}
